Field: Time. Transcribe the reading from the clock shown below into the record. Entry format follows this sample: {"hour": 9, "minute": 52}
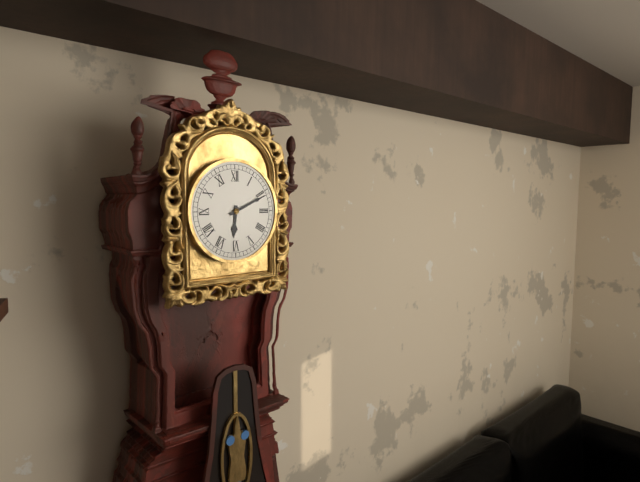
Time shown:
{"hour": 6, "minute": 11}
